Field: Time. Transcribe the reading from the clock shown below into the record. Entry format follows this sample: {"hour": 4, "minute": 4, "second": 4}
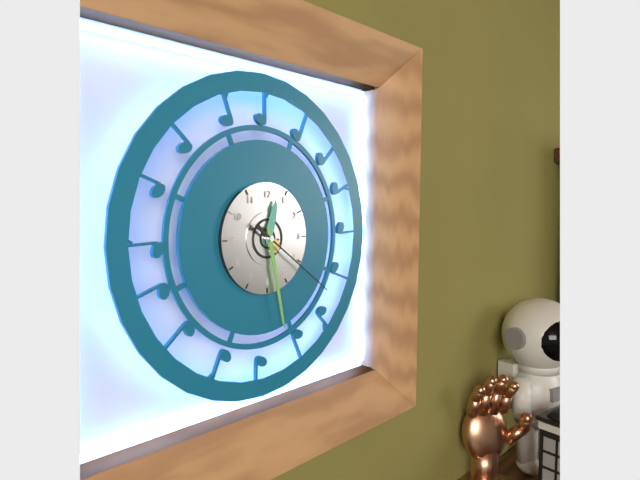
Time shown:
{"hour": 12, "minute": 28, "second": 21}
